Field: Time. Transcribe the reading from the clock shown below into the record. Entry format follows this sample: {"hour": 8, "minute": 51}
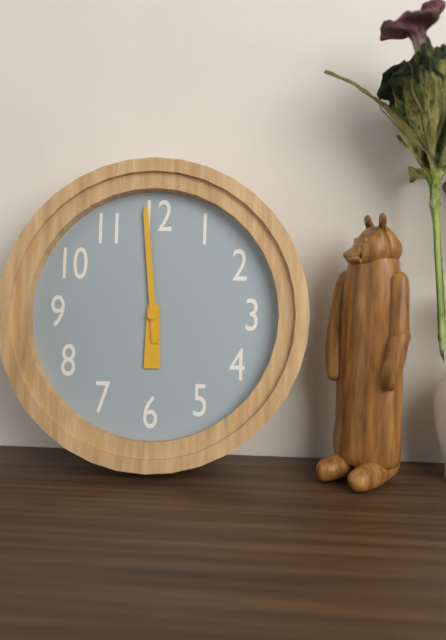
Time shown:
{"hour": 5, "minute": 59}
